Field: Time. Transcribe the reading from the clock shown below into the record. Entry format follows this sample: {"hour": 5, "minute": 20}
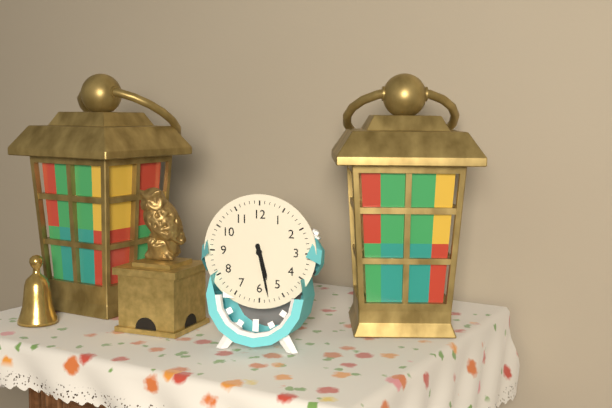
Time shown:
{"hour": 5, "minute": 28}
